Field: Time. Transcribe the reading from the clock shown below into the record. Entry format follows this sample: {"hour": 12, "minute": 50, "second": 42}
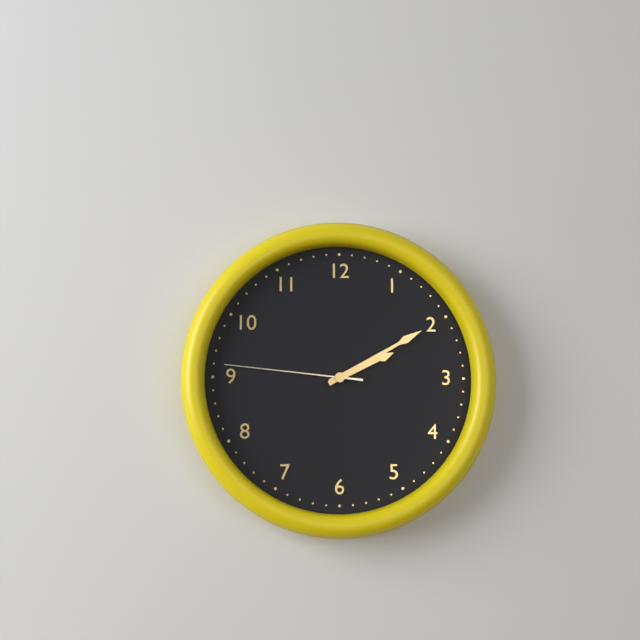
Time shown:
{"hour": 2, "minute": 10, "second": 46}
